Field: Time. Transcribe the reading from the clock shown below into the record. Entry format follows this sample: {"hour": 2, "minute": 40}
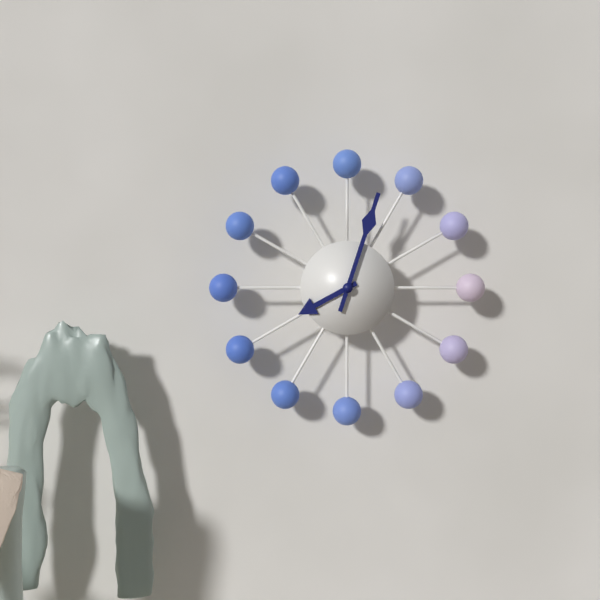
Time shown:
{"hour": 8, "minute": 3}
